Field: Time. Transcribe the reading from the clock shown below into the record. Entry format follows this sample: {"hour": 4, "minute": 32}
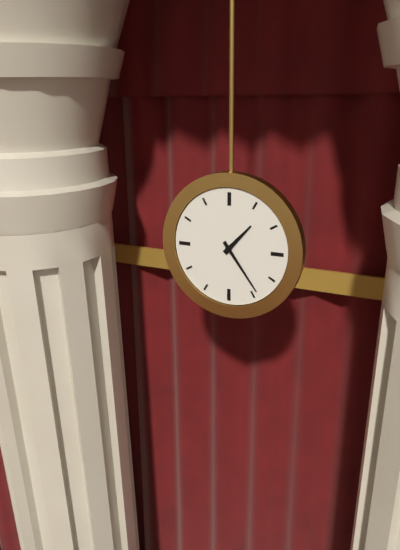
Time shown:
{"hour": 1, "minute": 24}
